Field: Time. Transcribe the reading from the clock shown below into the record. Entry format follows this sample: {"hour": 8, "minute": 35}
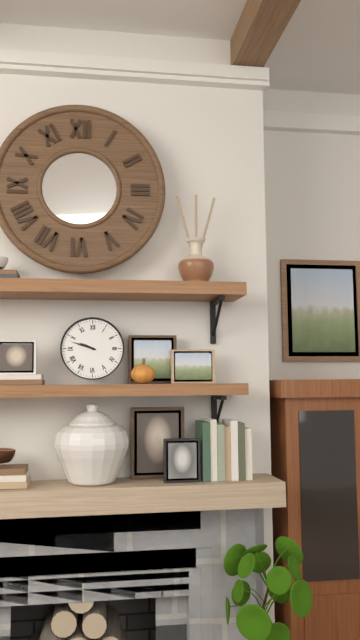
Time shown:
{"hour": 9, "minute": 48}
